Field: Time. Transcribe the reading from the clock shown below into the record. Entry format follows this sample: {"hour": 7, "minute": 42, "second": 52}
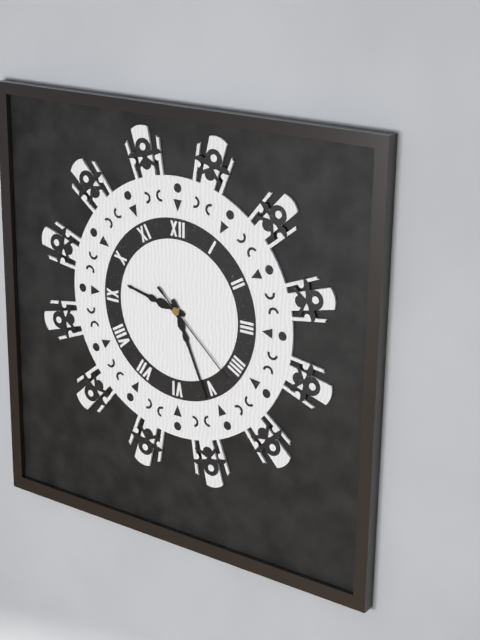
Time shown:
{"hour": 9, "minute": 26, "second": 22}
